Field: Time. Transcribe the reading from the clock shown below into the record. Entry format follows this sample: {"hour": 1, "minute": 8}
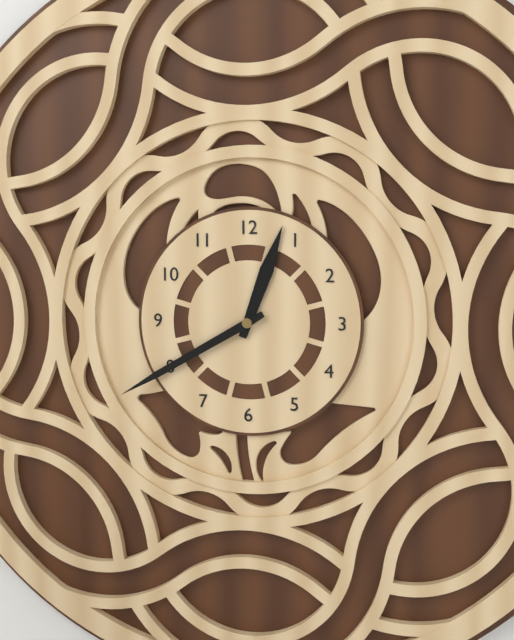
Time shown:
{"hour": 12, "minute": 40}
